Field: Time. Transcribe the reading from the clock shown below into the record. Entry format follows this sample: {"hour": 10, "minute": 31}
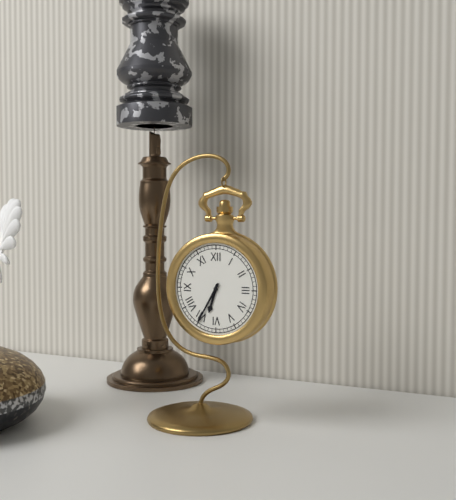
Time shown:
{"hour": 6, "minute": 35}
